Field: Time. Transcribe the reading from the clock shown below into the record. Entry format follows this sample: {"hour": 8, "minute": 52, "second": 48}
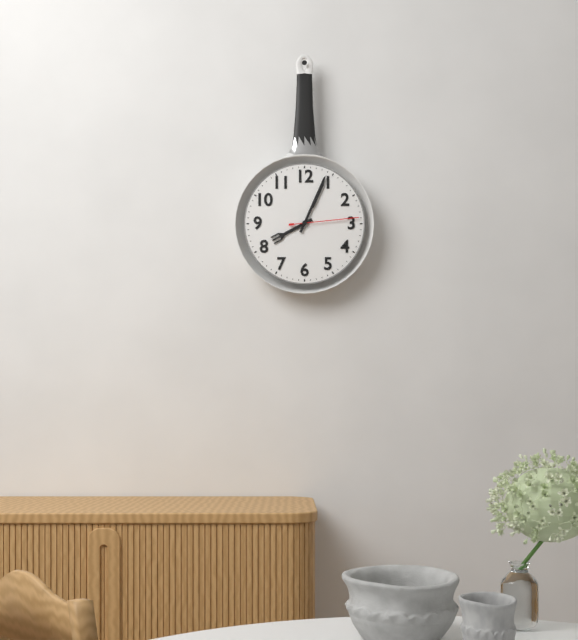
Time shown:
{"hour": 8, "minute": 4, "second": 14}
